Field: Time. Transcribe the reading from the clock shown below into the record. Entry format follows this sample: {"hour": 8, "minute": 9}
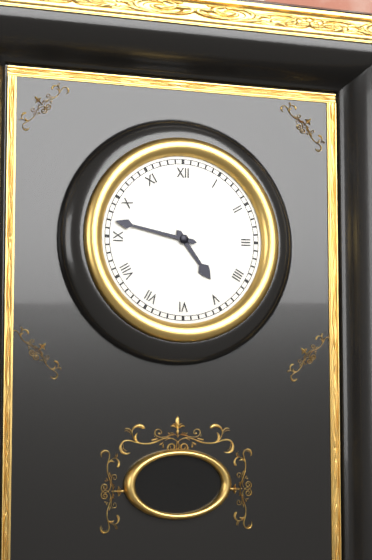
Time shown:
{"hour": 4, "minute": 47}
